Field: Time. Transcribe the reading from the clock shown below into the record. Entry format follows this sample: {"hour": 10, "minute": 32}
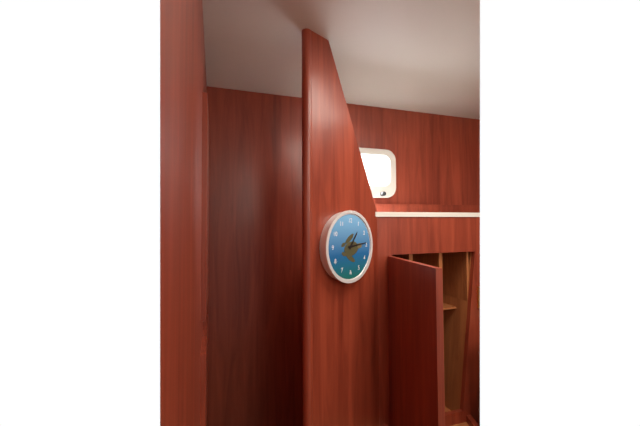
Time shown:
{"hour": 1, "minute": 14}
